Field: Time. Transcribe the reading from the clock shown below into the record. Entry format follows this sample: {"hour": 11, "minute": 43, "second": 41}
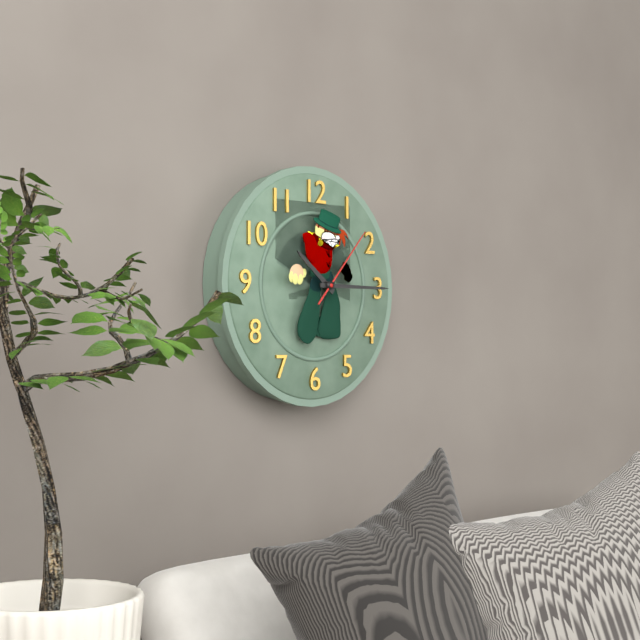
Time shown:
{"hour": 10, "minute": 15, "second": 7}
